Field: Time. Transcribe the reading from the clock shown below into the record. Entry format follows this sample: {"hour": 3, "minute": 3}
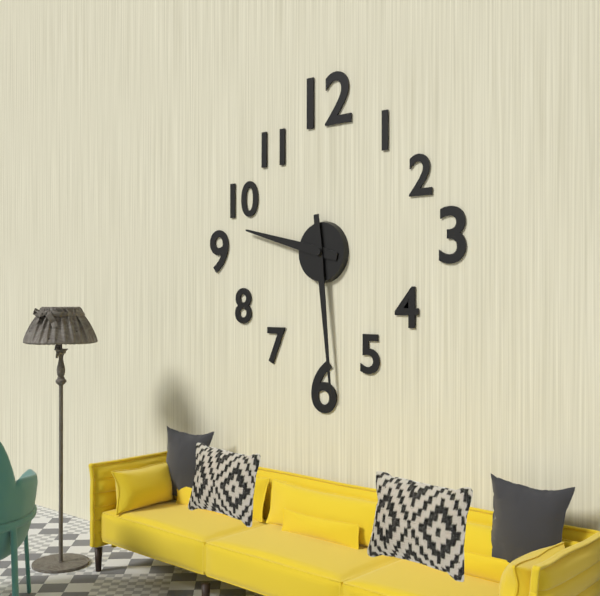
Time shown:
{"hour": 9, "minute": 29}
